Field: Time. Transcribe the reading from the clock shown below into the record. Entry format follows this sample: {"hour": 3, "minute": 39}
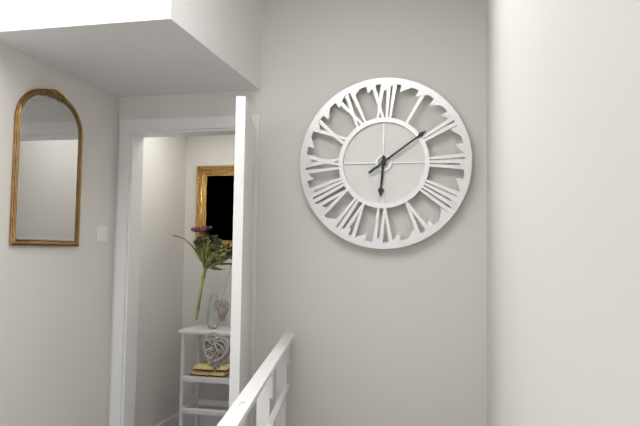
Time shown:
{"hour": 6, "minute": 9}
